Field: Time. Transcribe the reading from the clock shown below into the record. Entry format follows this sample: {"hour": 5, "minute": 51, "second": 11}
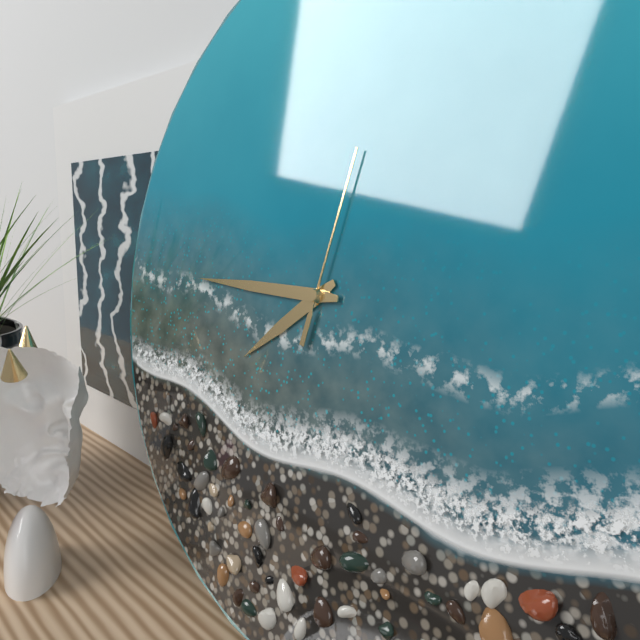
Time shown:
{"hour": 7, "minute": 45, "second": 2}
